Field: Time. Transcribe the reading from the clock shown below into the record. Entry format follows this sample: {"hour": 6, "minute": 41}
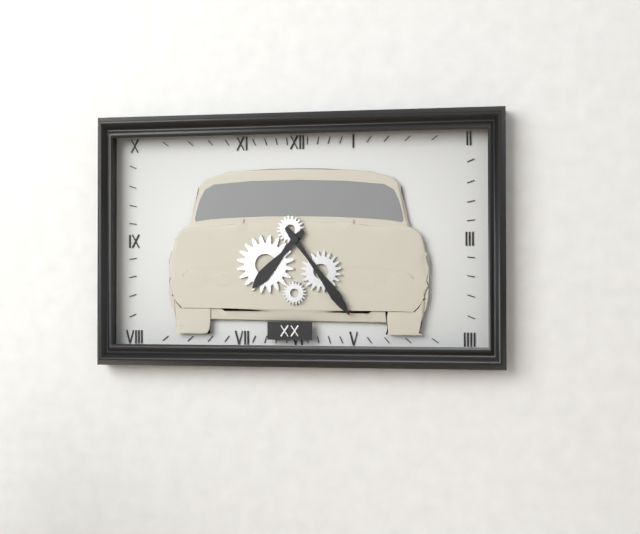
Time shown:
{"hour": 7, "minute": 24}
